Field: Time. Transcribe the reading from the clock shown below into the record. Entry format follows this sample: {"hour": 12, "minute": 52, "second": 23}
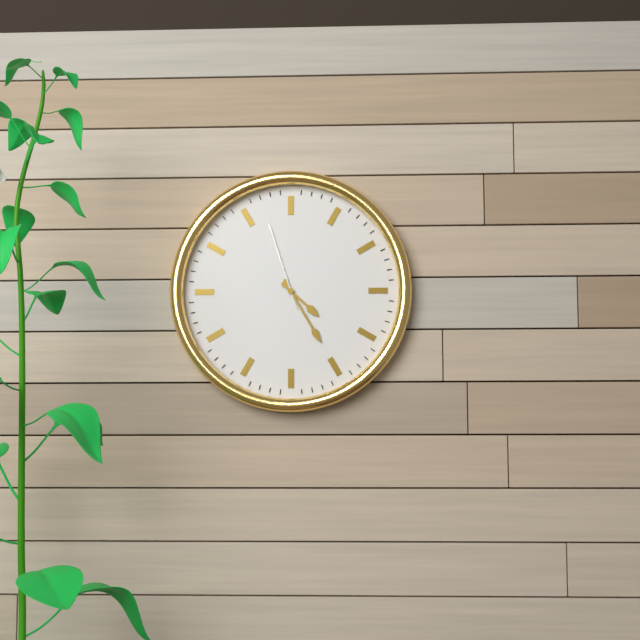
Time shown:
{"hour": 4, "minute": 25, "second": 57}
